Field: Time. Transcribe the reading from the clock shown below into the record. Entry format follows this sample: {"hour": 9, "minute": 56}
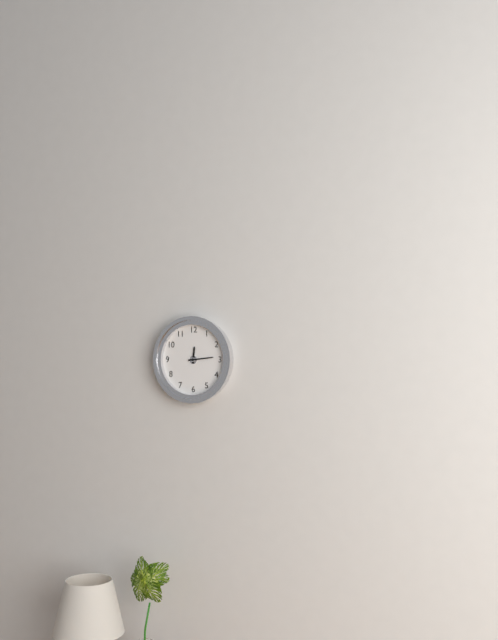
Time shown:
{"hour": 12, "minute": 14}
